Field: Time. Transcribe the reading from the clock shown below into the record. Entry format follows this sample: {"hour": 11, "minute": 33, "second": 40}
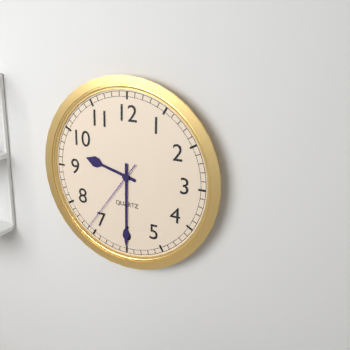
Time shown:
{"hour": 9, "minute": 30, "second": 36}
